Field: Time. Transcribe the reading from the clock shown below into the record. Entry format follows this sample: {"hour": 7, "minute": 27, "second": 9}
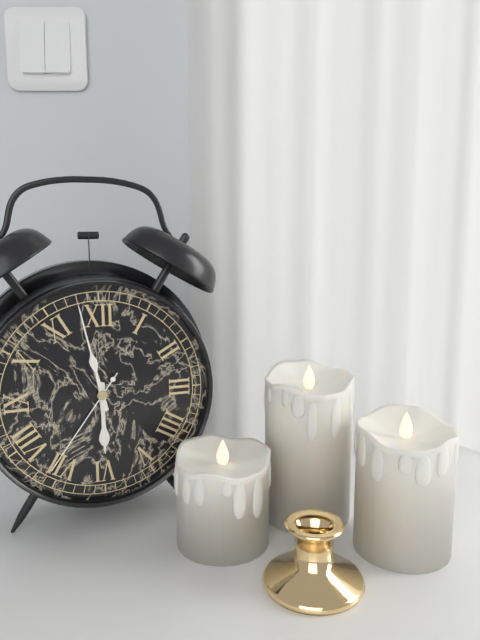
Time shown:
{"hour": 5, "minute": 58, "second": 36}
